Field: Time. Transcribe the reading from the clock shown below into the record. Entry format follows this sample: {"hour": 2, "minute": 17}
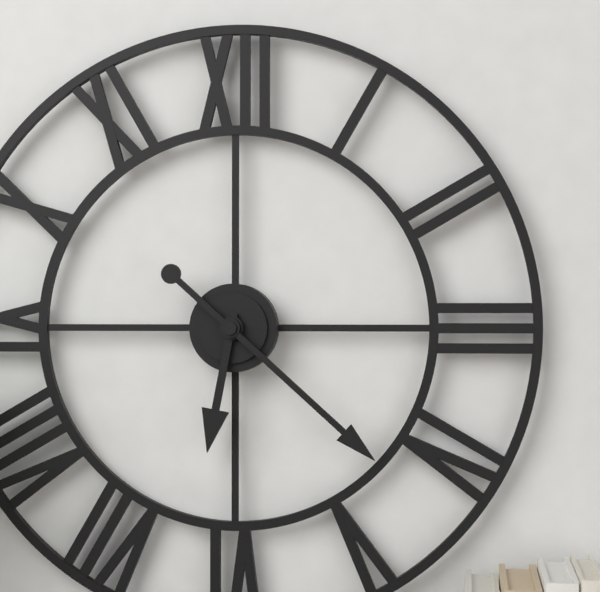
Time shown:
{"hour": 6, "minute": 22}
